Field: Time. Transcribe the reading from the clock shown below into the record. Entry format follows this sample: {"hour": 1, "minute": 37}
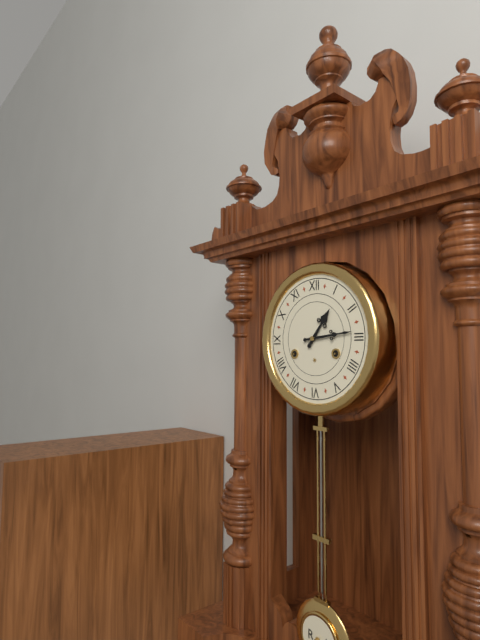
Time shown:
{"hour": 1, "minute": 14}
